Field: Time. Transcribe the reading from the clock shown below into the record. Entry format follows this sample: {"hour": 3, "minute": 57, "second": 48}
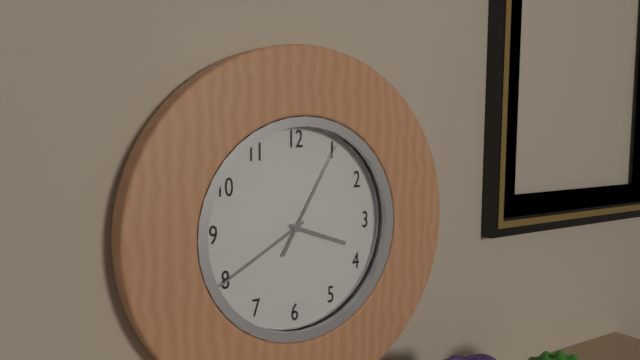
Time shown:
{"hour": 3, "minute": 40, "second": 5}
